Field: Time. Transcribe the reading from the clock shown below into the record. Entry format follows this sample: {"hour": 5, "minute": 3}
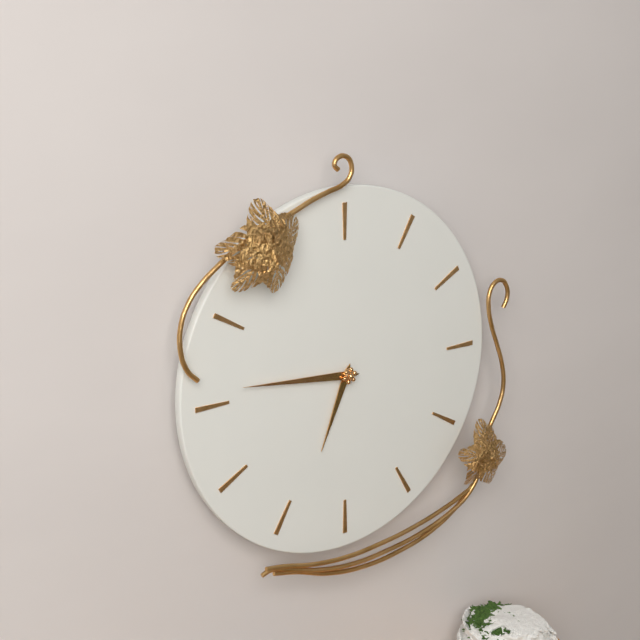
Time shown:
{"hour": 6, "minute": 46}
